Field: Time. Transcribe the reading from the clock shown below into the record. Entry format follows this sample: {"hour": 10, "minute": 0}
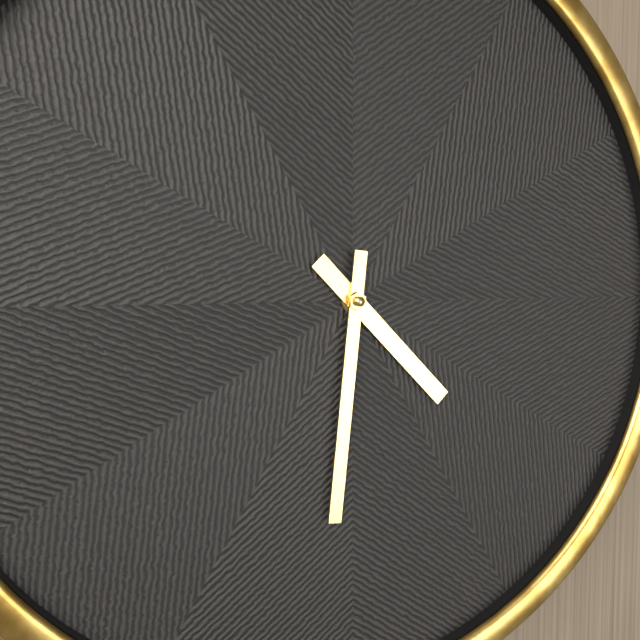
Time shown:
{"hour": 4, "minute": 31}
